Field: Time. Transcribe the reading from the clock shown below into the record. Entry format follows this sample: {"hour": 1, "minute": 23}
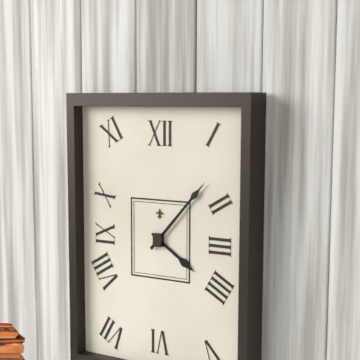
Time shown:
{"hour": 4, "minute": 7}
